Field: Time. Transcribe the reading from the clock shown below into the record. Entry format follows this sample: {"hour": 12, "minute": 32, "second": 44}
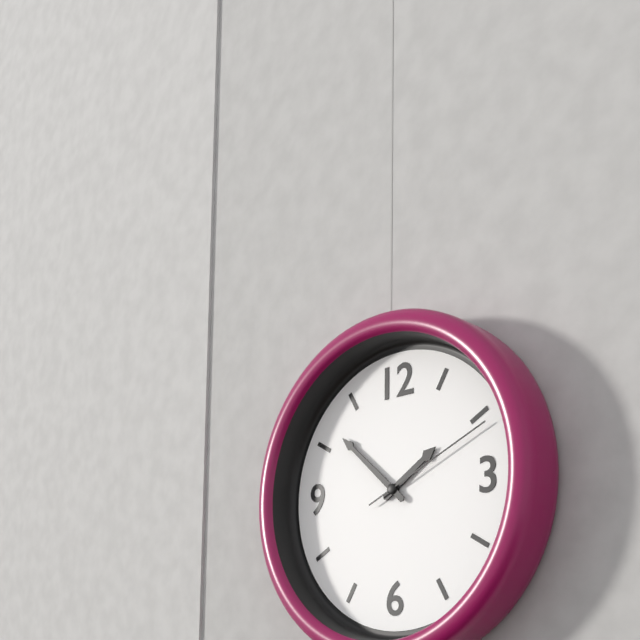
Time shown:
{"hour": 1, "minute": 52, "second": 11}
